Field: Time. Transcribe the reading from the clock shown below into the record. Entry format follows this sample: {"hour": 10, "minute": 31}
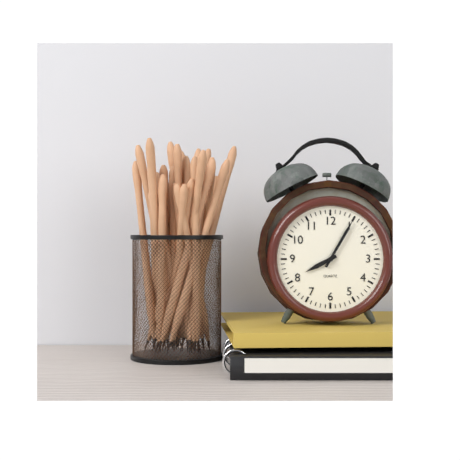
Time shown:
{"hour": 8, "minute": 5}
